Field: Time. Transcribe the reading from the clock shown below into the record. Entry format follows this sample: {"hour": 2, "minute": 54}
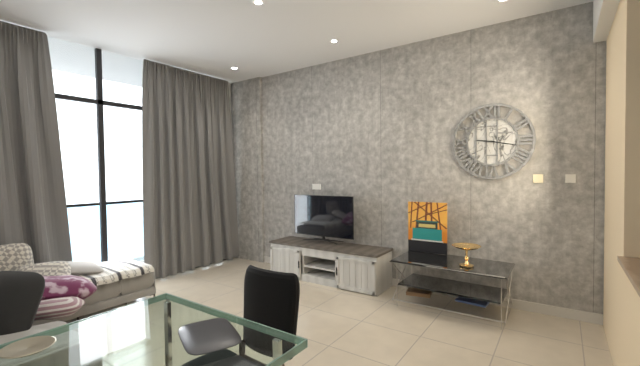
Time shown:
{"hour": 9, "minute": 17}
